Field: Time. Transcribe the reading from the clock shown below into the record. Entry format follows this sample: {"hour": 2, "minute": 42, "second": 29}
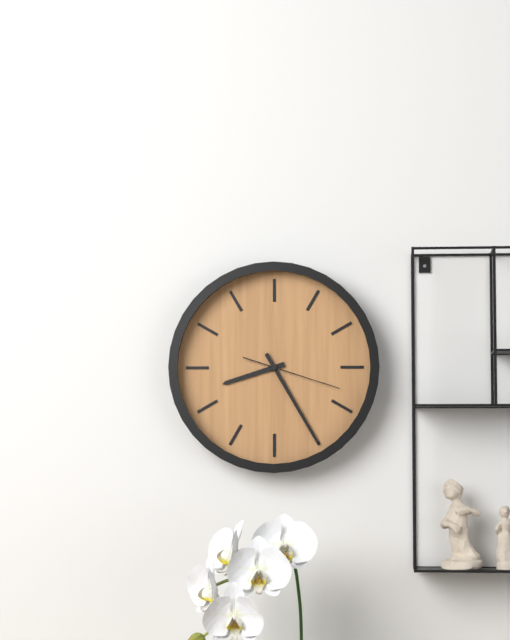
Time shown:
{"hour": 8, "minute": 25, "second": 18}
